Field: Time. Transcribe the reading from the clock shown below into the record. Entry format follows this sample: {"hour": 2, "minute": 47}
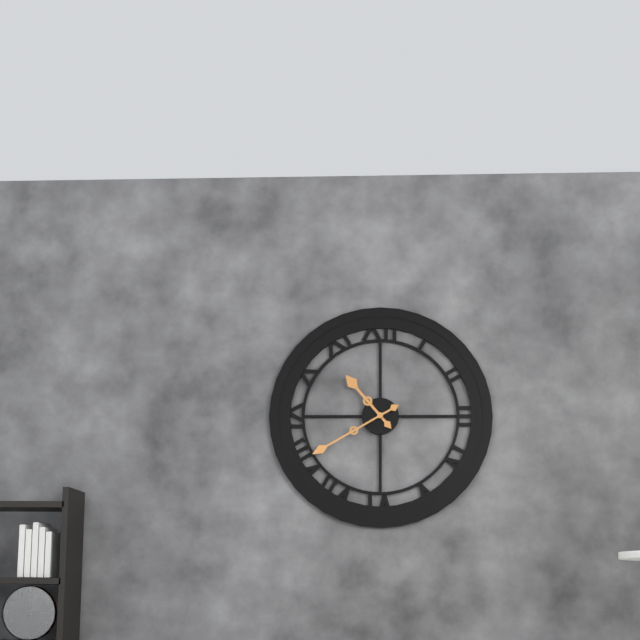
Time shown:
{"hour": 10, "minute": 40}
